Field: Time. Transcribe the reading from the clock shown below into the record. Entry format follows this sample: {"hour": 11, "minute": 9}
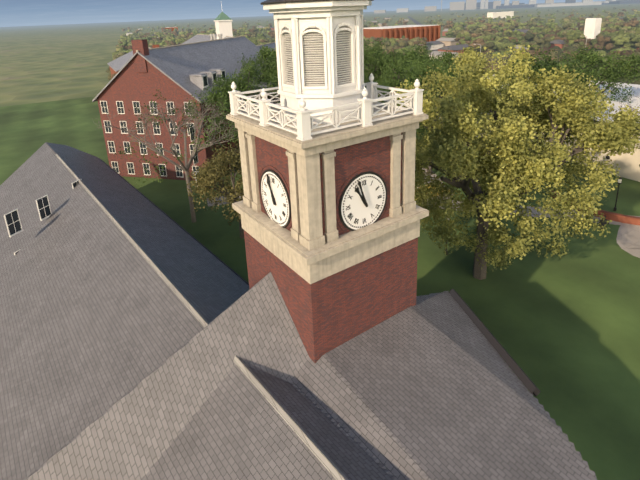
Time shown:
{"hour": 10, "minute": 57}
